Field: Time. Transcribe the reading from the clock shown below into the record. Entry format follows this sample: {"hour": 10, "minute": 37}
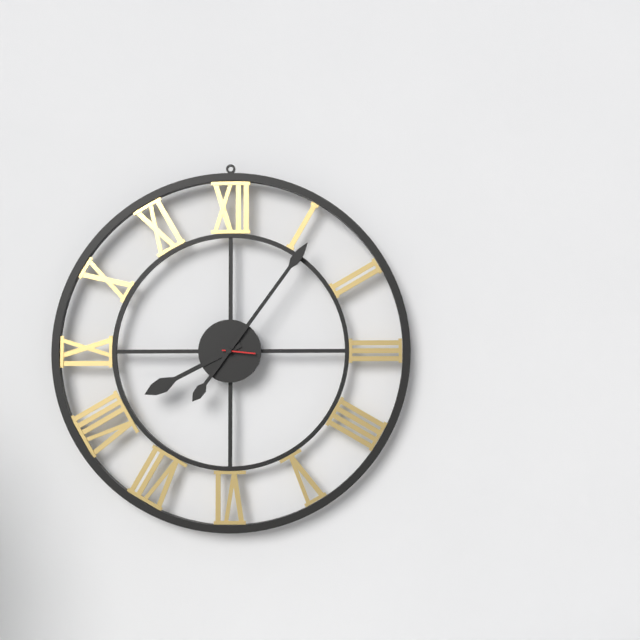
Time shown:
{"hour": 8, "minute": 6}
